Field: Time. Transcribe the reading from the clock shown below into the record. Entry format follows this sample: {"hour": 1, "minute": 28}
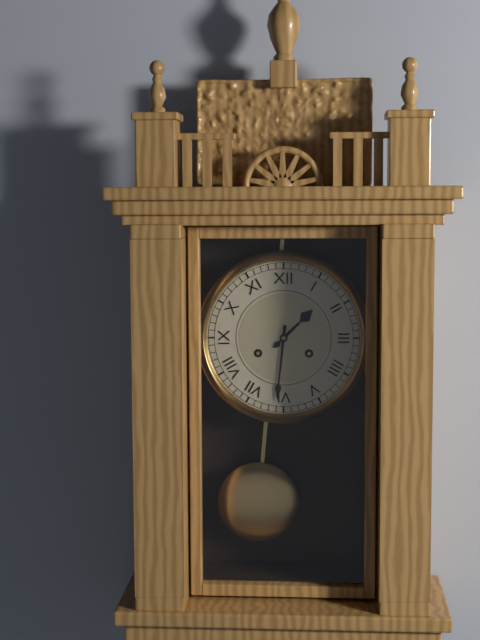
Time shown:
{"hour": 1, "minute": 31}
